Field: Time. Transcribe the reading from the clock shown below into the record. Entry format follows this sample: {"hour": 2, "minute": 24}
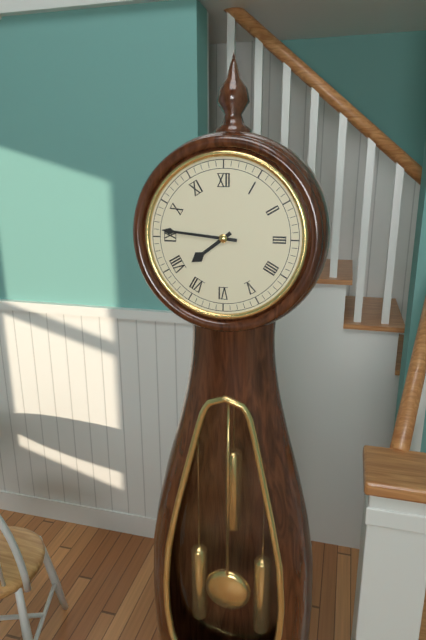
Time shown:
{"hour": 7, "minute": 46}
